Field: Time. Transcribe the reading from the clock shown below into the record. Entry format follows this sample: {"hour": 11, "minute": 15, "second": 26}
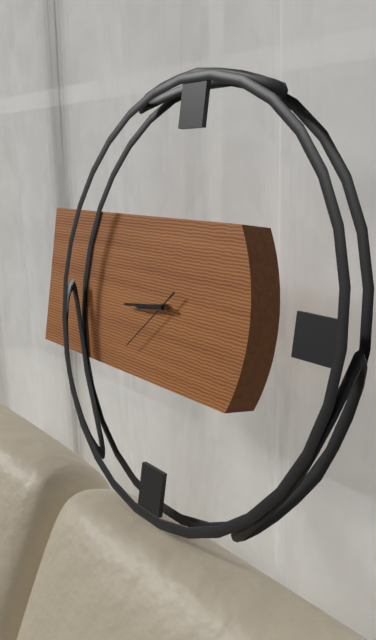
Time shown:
{"hour": 8, "minute": 44, "second": 38}
